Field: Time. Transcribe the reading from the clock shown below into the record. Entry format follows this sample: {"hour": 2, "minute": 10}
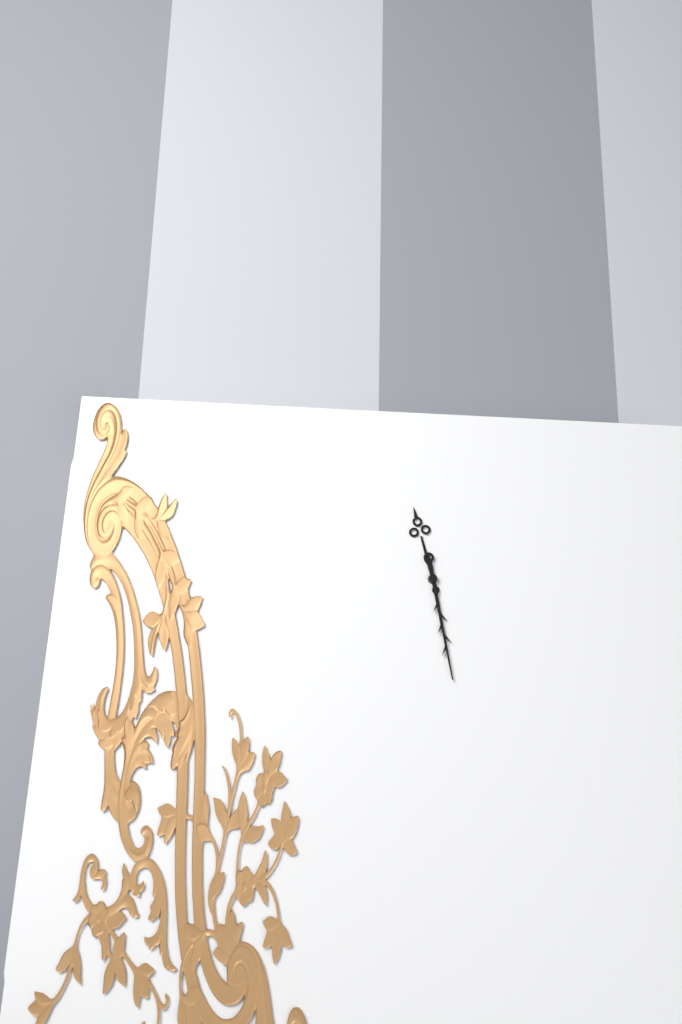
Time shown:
{"hour": 11, "minute": 28}
